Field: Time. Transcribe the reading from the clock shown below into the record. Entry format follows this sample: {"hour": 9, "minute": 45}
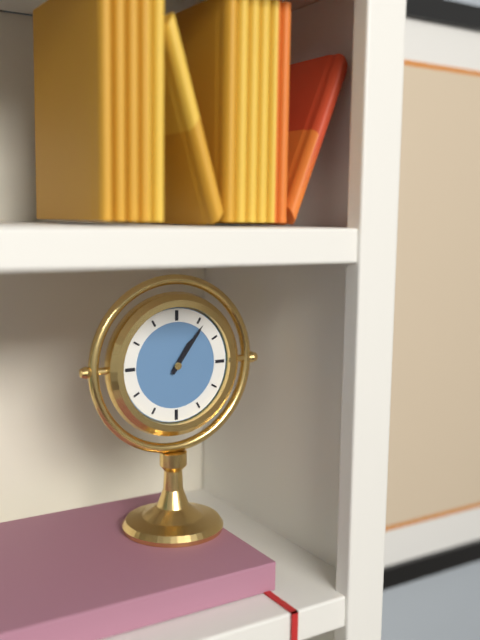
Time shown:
{"hour": 1, "minute": 6}
